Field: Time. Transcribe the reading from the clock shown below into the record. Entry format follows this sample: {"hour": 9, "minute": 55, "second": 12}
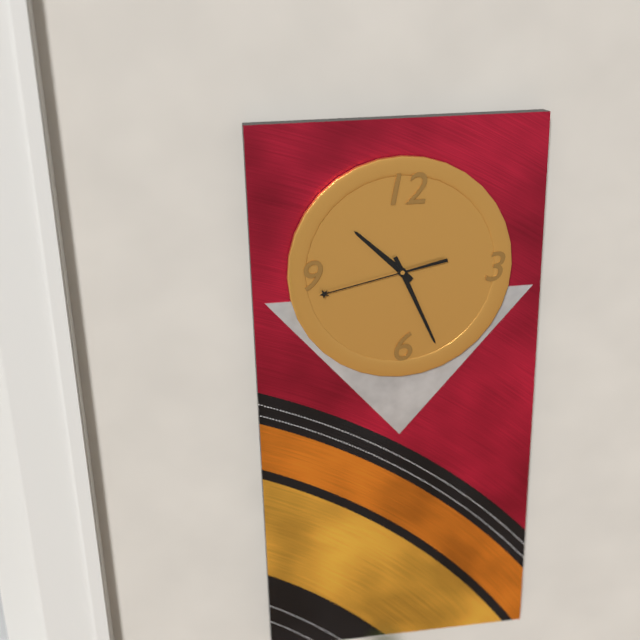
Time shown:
{"hour": 10, "minute": 26, "second": 43}
